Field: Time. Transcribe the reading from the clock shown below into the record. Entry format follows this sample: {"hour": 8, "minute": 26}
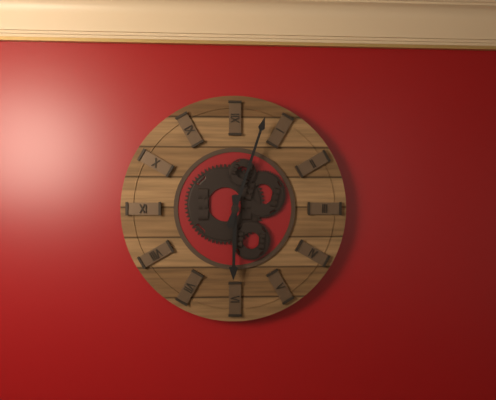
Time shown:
{"hour": 6, "minute": 3}
